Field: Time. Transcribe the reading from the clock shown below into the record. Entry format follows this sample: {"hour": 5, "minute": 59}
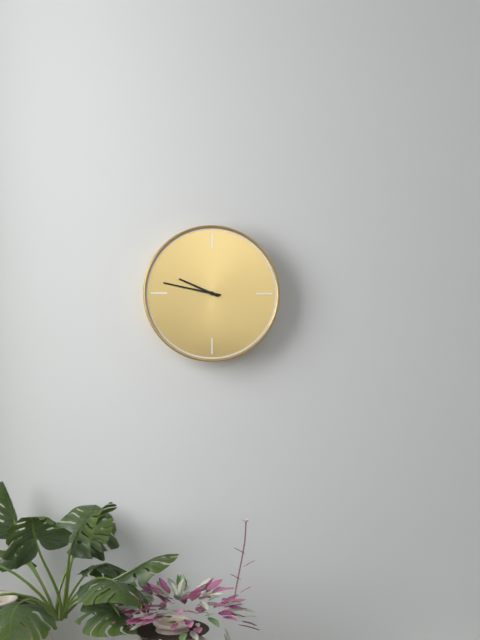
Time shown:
{"hour": 9, "minute": 47}
